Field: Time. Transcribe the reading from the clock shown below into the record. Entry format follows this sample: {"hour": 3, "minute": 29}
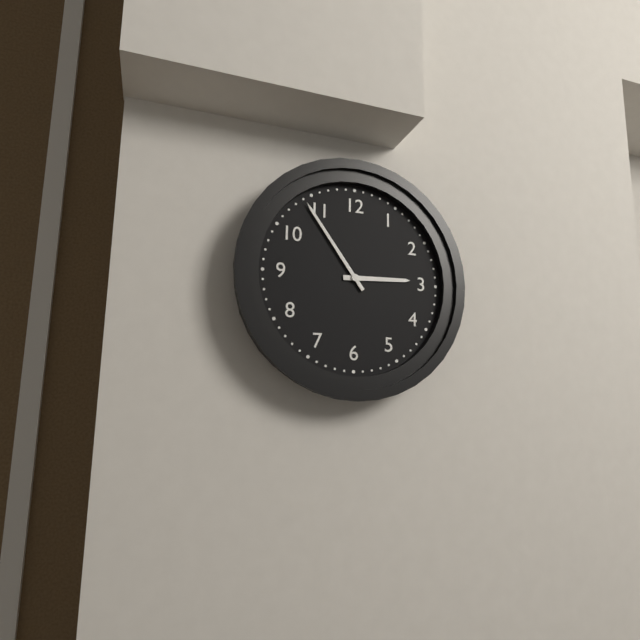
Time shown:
{"hour": 2, "minute": 54}
